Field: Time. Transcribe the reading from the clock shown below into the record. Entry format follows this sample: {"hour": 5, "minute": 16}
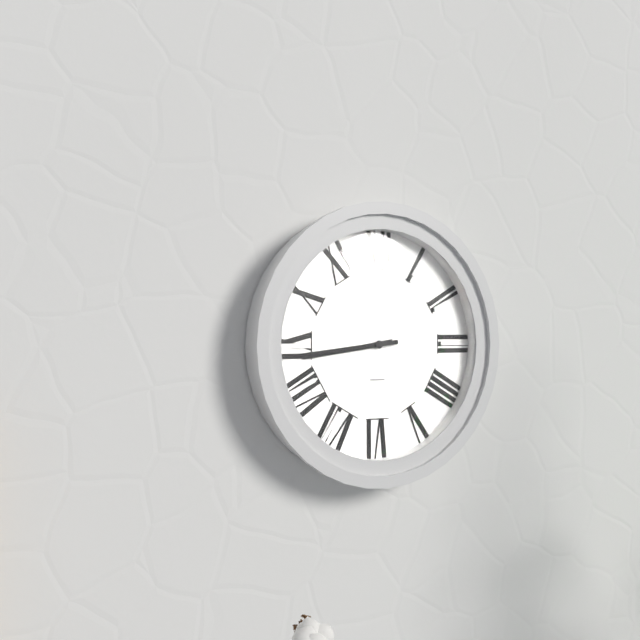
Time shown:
{"hour": 8, "minute": 44}
